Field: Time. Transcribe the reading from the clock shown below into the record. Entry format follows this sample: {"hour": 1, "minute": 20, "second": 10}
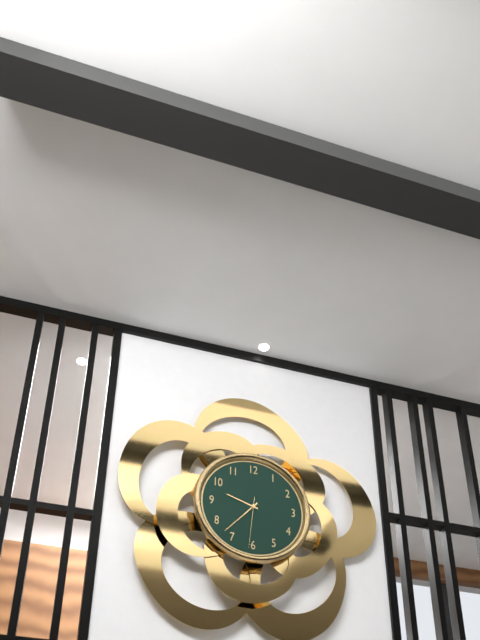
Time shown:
{"hour": 9, "minute": 37, "second": 31}
